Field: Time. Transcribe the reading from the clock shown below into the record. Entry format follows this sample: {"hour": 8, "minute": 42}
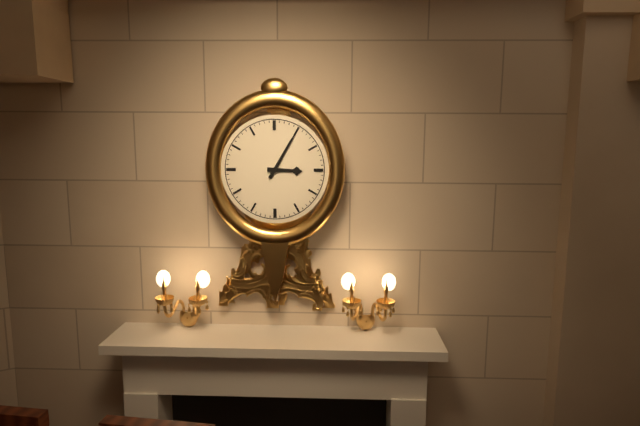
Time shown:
{"hour": 3, "minute": 5}
